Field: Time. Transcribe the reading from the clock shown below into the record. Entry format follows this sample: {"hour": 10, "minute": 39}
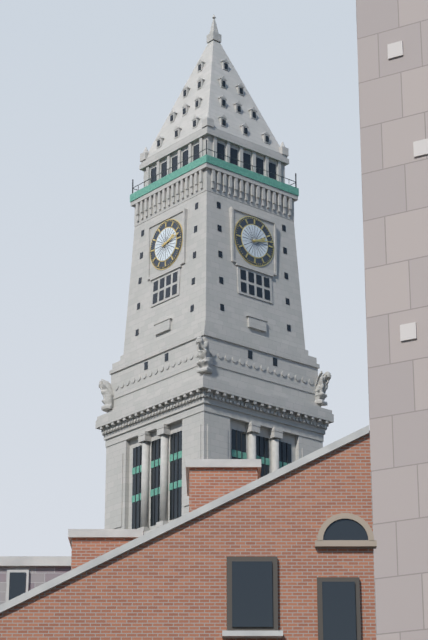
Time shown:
{"hour": 2, "minute": 13}
